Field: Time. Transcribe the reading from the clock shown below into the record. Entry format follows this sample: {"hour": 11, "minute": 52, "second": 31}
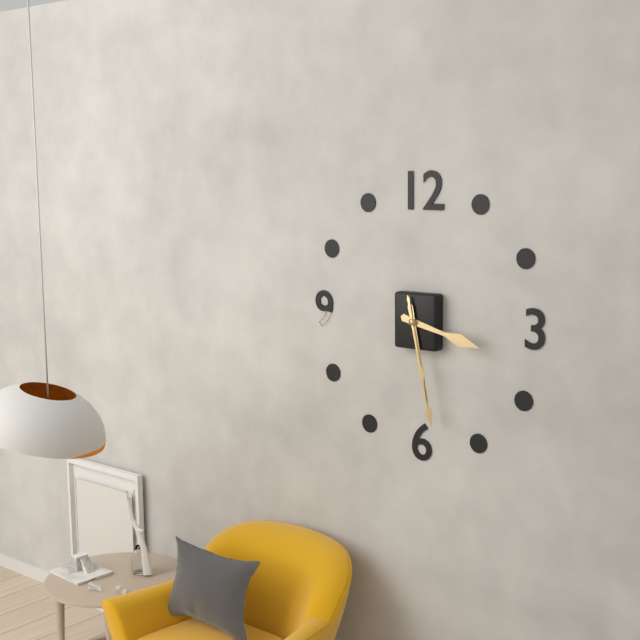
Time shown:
{"hour": 3, "minute": 28, "second": 28}
